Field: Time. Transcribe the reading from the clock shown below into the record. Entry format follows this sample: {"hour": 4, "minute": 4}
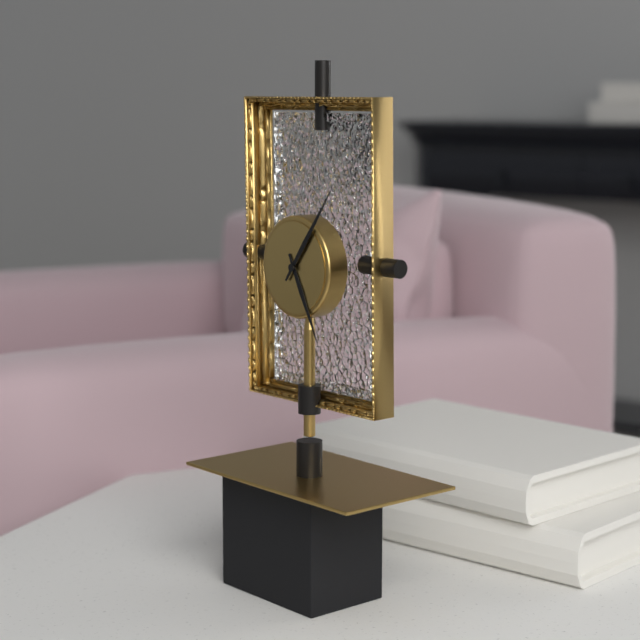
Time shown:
{"hour": 5, "minute": 6}
